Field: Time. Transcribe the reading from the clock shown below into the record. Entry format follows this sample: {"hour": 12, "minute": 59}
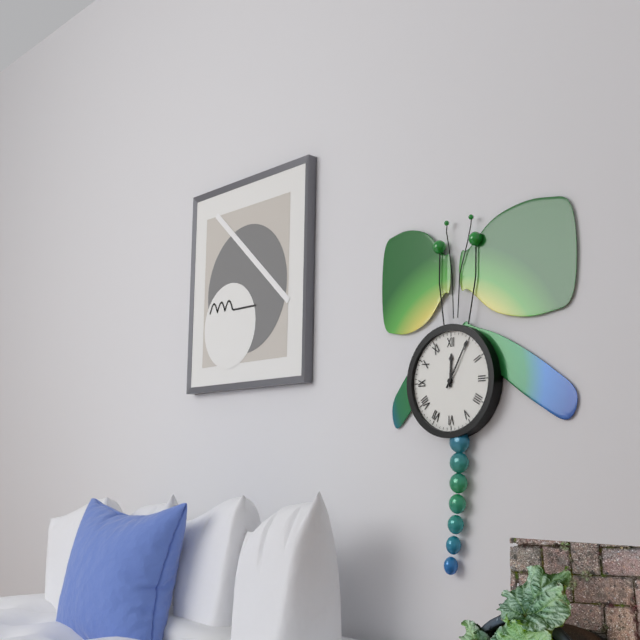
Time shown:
{"hour": 12, "minute": 5}
